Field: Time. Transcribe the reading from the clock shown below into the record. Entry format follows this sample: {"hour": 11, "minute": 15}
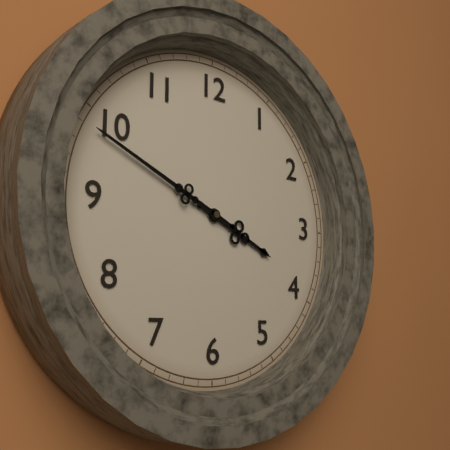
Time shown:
{"hour": 3, "minute": 49}
